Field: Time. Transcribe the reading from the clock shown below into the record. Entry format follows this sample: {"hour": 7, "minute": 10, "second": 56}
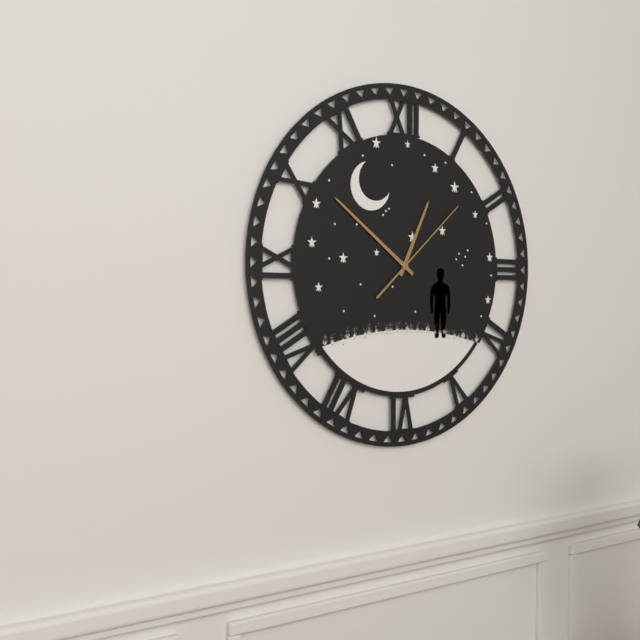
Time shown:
{"hour": 12, "minute": 51, "second": 8}
